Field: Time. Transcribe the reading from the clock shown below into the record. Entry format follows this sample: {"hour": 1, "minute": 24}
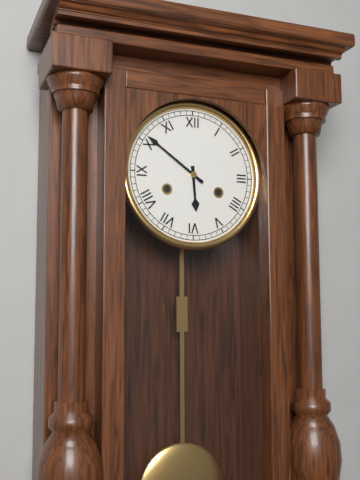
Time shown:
{"hour": 5, "minute": 51}
